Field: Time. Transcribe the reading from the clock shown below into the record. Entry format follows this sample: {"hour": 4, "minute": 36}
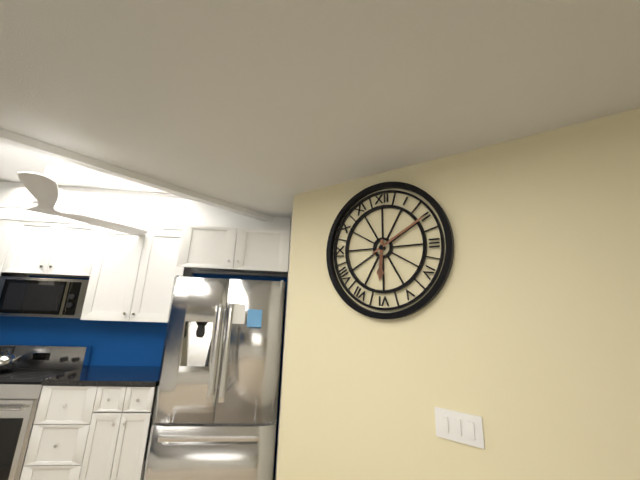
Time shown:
{"hour": 6, "minute": 10}
